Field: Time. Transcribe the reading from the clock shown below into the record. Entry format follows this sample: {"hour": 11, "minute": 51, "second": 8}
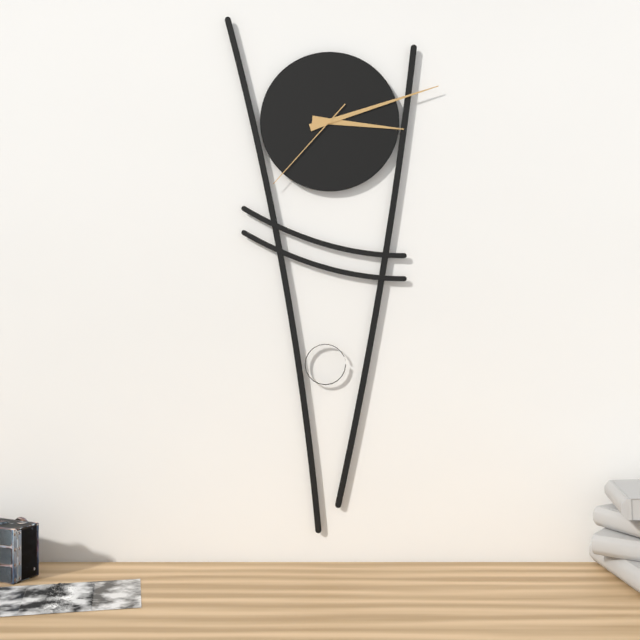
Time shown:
{"hour": 3, "minute": 12, "second": 37}
